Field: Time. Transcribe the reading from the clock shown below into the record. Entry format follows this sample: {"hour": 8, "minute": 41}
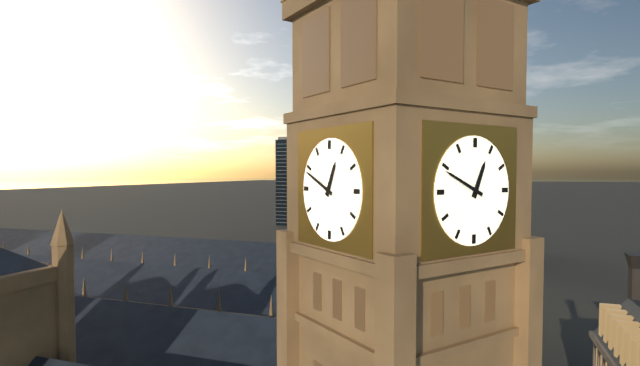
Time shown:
{"hour": 12, "minute": 49}
